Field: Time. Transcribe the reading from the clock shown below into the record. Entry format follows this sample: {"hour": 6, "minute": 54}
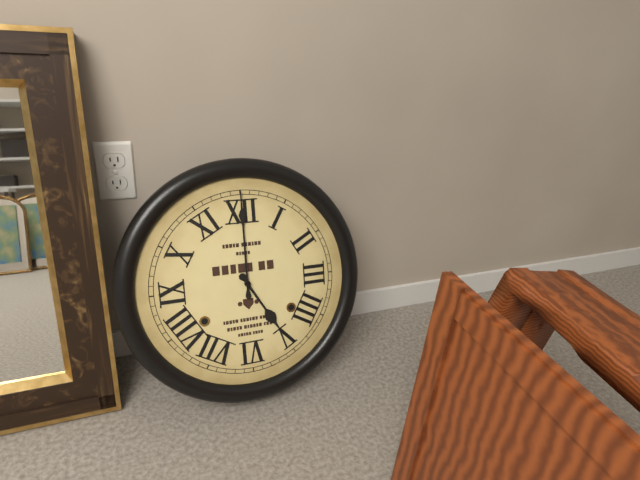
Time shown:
{"hour": 5, "minute": 0}
